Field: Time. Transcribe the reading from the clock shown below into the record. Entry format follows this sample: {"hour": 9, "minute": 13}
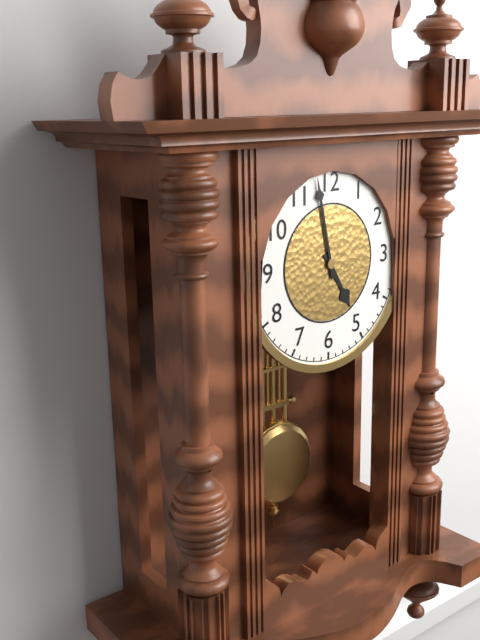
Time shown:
{"hour": 4, "minute": 58}
